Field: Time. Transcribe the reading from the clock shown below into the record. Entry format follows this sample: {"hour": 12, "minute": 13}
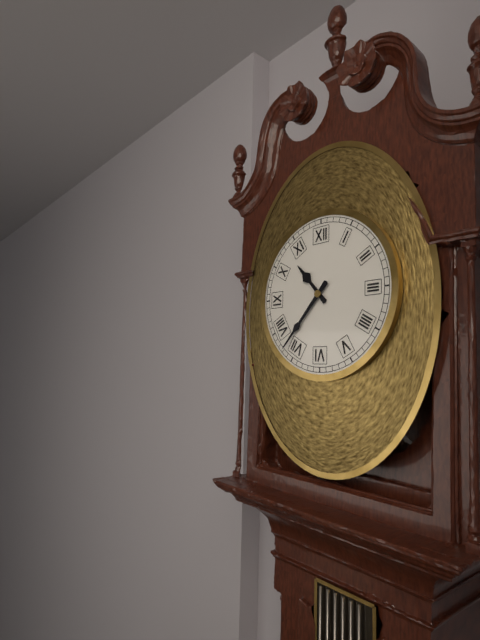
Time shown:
{"hour": 10, "minute": 37}
